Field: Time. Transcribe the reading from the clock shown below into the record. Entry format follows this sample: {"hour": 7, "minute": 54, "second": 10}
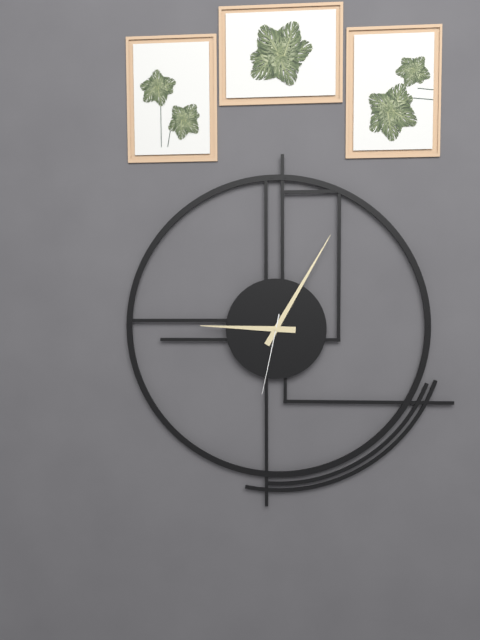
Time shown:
{"hour": 9, "minute": 5, "second": 32}
